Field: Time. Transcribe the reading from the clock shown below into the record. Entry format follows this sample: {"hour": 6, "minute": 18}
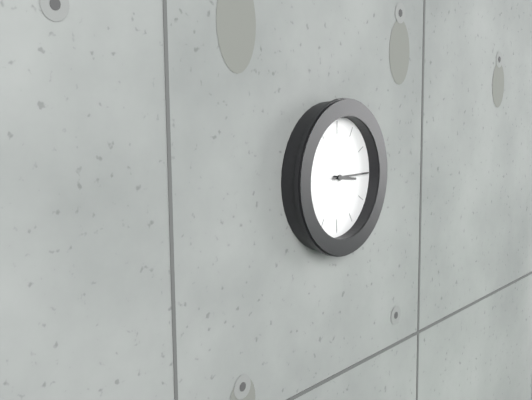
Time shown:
{"hour": 3, "minute": 15}
